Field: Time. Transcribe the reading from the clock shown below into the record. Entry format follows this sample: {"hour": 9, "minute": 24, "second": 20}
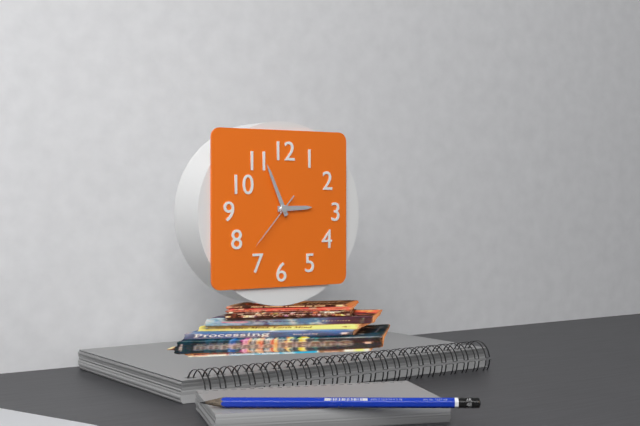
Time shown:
{"hour": 2, "minute": 56, "second": 37}
